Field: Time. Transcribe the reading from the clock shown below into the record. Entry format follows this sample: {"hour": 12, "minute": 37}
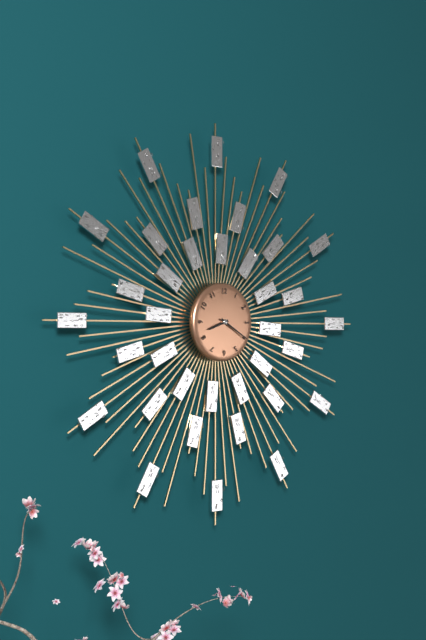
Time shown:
{"hour": 8, "minute": 20}
